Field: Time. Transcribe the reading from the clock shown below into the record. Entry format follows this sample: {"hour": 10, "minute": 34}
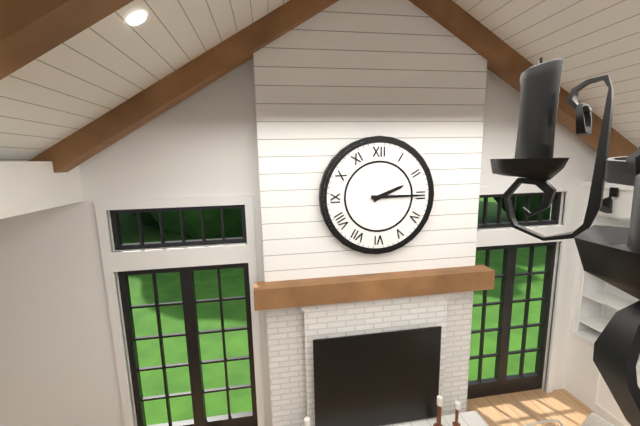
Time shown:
{"hour": 2, "minute": 15}
